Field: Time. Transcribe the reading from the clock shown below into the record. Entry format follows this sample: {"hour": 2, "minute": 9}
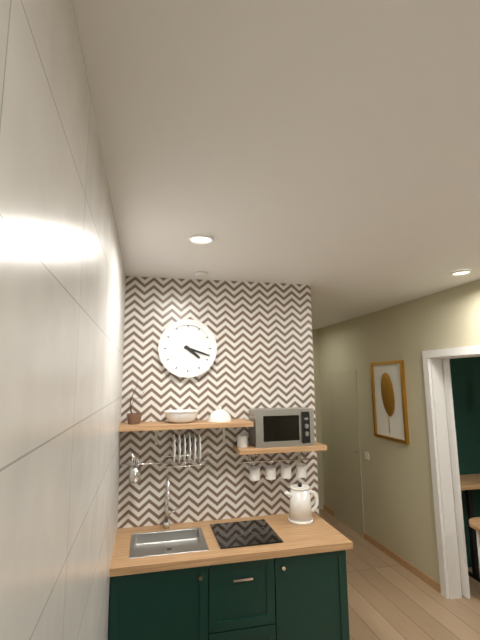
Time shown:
{"hour": 4, "minute": 18}
